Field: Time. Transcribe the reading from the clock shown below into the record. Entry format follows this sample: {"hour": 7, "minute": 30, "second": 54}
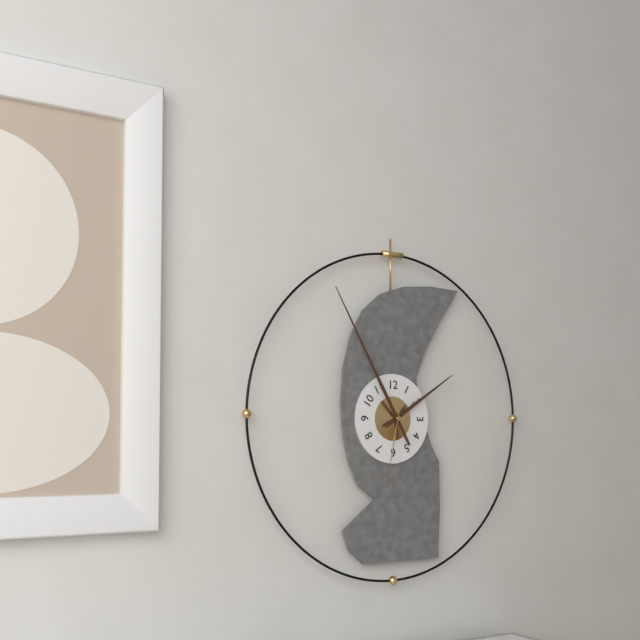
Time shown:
{"hour": 1, "minute": 55, "second": 32}
